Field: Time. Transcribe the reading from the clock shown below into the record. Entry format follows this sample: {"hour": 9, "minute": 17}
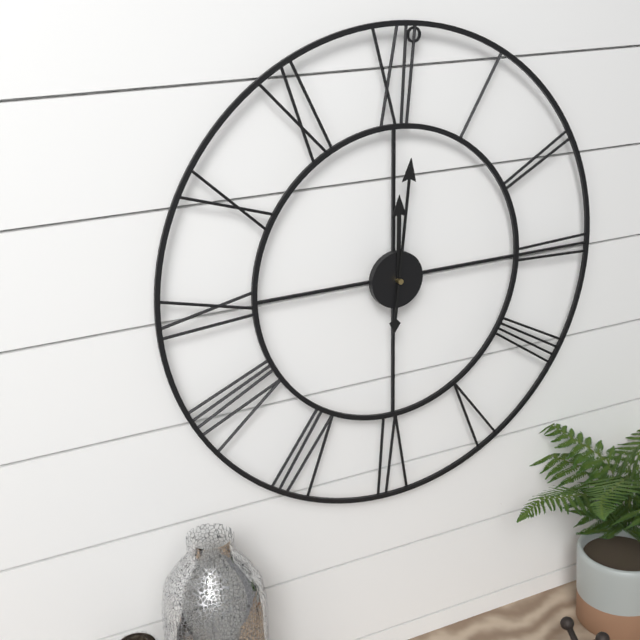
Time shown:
{"hour": 12, "minute": 1}
